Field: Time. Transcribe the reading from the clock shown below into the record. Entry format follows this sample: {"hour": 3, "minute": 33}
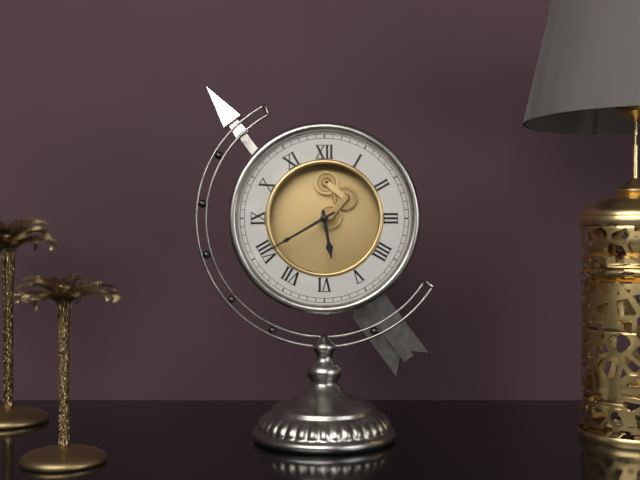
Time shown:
{"hour": 5, "minute": 40}
